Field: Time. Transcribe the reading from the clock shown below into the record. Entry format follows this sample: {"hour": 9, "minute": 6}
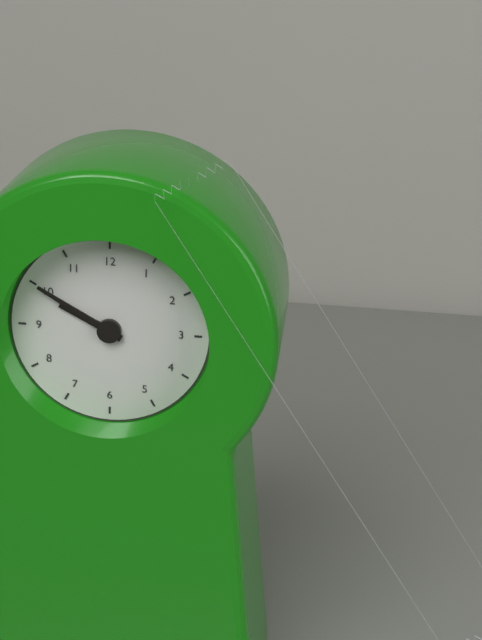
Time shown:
{"hour": 9, "minute": 50}
